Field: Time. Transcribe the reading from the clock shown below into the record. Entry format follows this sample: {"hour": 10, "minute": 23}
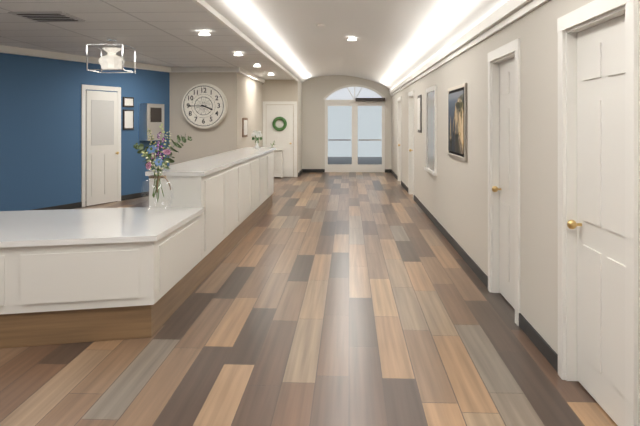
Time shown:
{"hour": 3, "minute": 45}
